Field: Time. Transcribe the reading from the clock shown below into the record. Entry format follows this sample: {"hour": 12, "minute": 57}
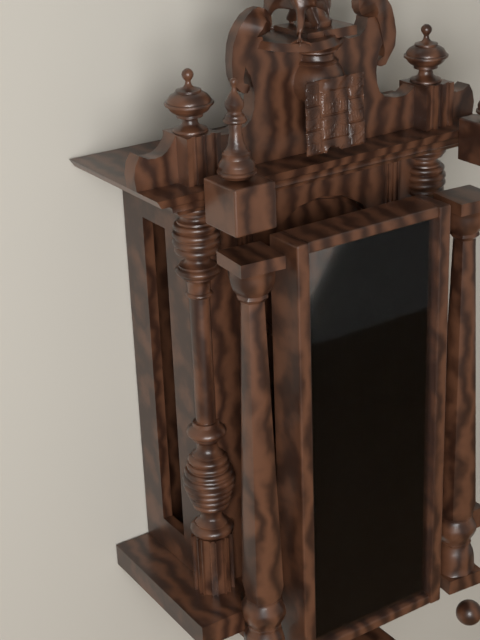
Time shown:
{"hour": 7, "minute": 36}
